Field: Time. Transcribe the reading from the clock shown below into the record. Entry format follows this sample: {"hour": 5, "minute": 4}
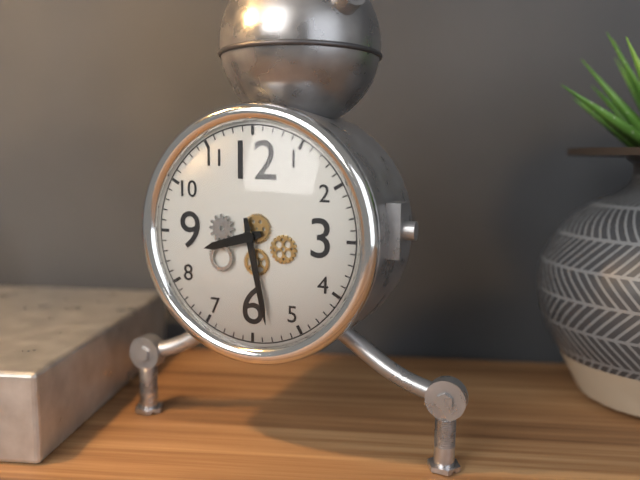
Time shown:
{"hour": 8, "minute": 28}
